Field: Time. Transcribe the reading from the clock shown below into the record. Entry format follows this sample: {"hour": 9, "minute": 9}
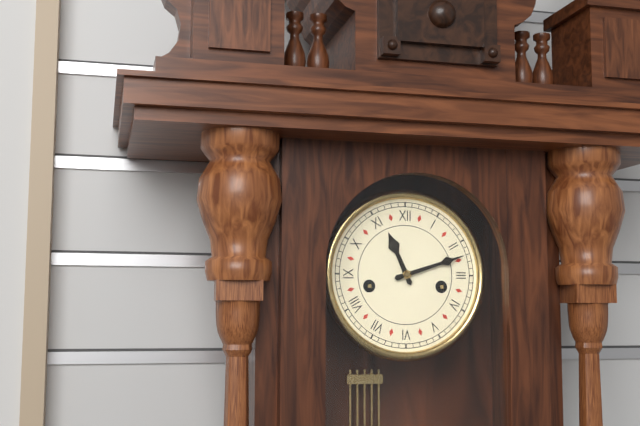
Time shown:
{"hour": 11, "minute": 12}
